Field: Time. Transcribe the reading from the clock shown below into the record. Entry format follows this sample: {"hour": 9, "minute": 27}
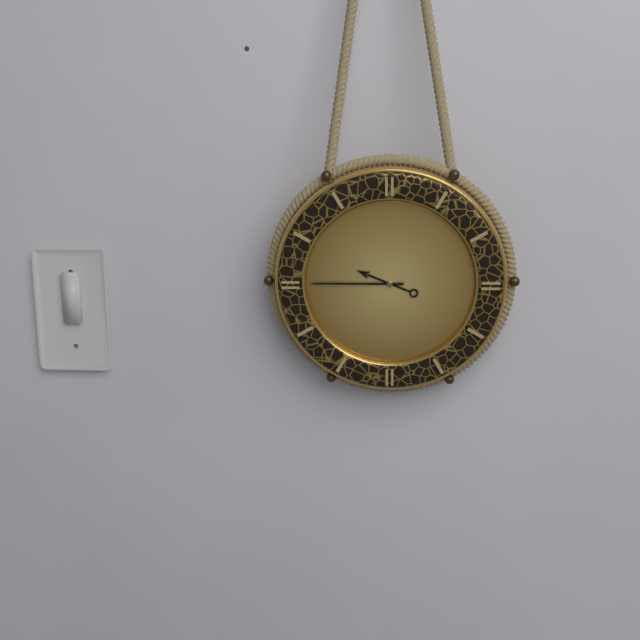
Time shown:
{"hour": 9, "minute": 45}
